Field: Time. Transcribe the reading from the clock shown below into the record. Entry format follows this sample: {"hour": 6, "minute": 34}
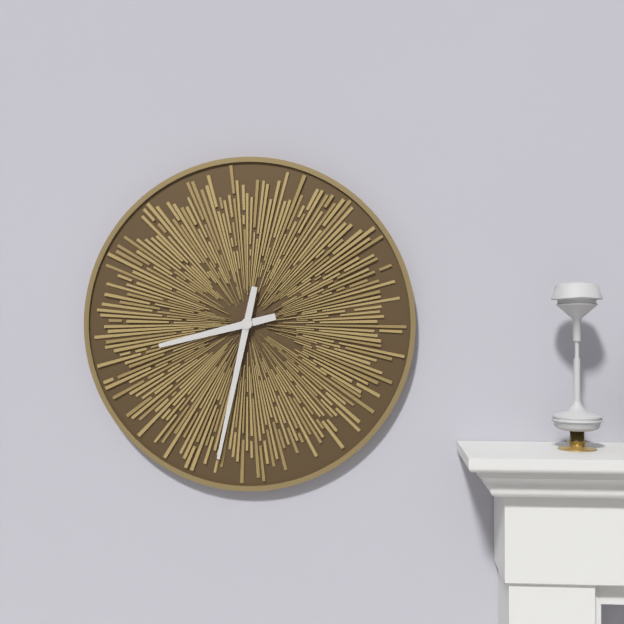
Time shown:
{"hour": 8, "minute": 32}
